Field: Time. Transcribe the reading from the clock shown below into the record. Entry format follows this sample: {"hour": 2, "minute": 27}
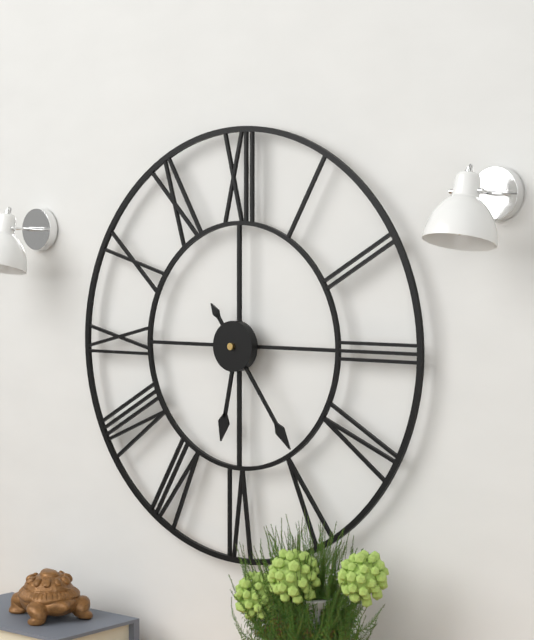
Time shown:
{"hour": 6, "minute": 24}
